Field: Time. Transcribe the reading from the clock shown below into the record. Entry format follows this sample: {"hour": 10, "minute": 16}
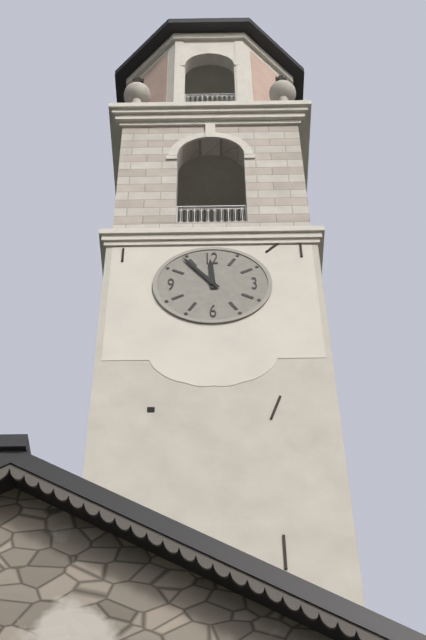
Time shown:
{"hour": 11, "minute": 54}
